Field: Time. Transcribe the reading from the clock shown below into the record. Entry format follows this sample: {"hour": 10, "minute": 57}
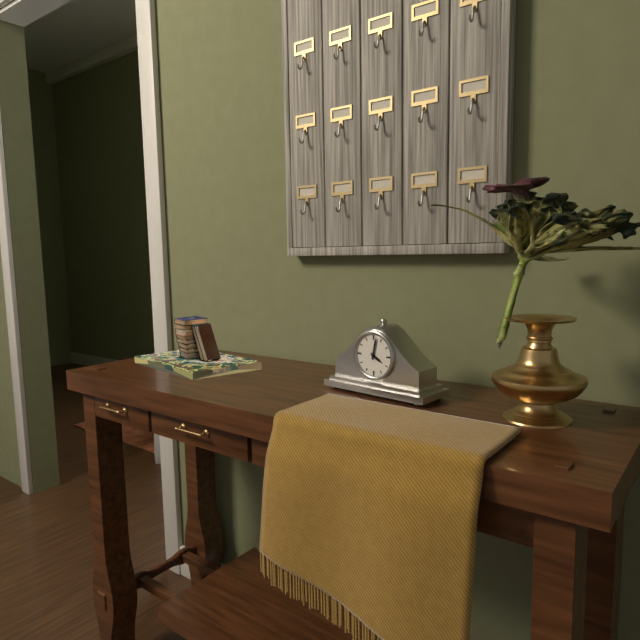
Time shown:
{"hour": 4, "minute": 2}
